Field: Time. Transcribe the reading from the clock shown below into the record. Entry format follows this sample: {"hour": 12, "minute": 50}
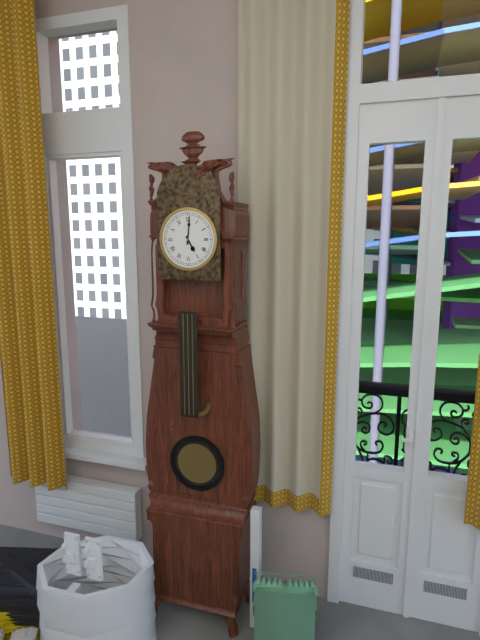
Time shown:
{"hour": 5, "minute": 1}
